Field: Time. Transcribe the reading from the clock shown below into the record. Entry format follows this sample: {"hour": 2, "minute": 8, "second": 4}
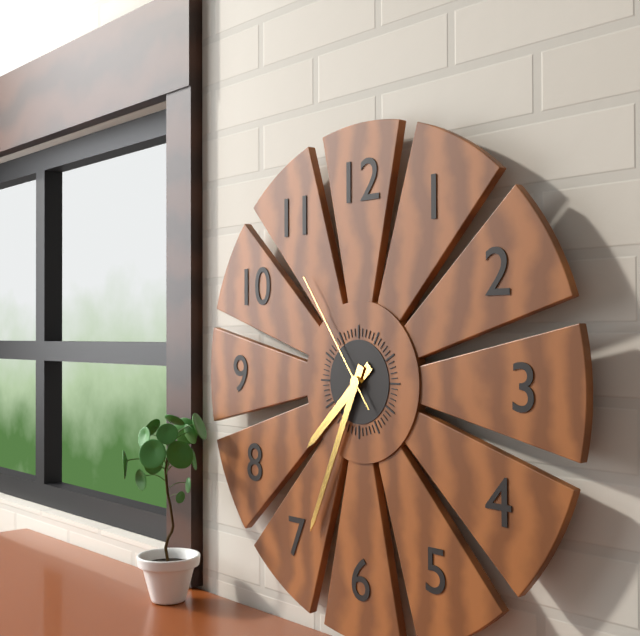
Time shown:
{"hour": 7, "minute": 34, "second": 54}
